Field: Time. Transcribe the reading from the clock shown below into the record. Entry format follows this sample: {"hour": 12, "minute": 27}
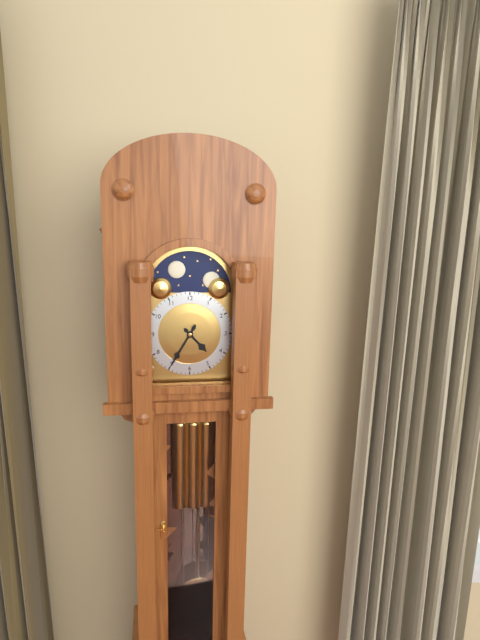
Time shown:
{"hour": 4, "minute": 35}
